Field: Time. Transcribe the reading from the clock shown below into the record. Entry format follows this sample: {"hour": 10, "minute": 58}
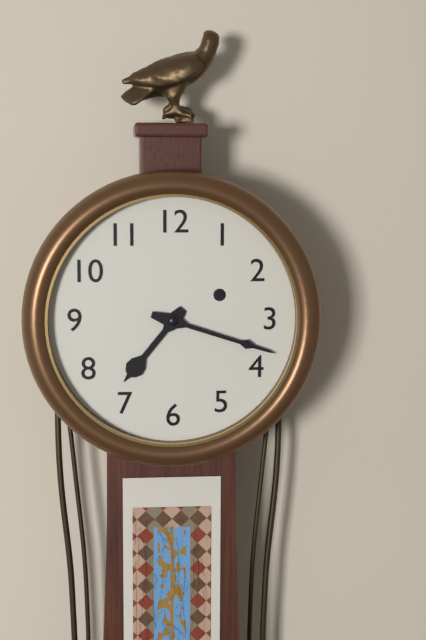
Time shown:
{"hour": 7, "minute": 18}
